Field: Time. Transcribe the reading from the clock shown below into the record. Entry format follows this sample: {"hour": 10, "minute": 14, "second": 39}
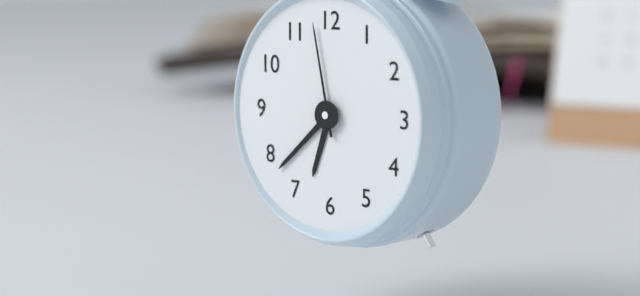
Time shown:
{"hour": 6, "minute": 38, "second": 58}
